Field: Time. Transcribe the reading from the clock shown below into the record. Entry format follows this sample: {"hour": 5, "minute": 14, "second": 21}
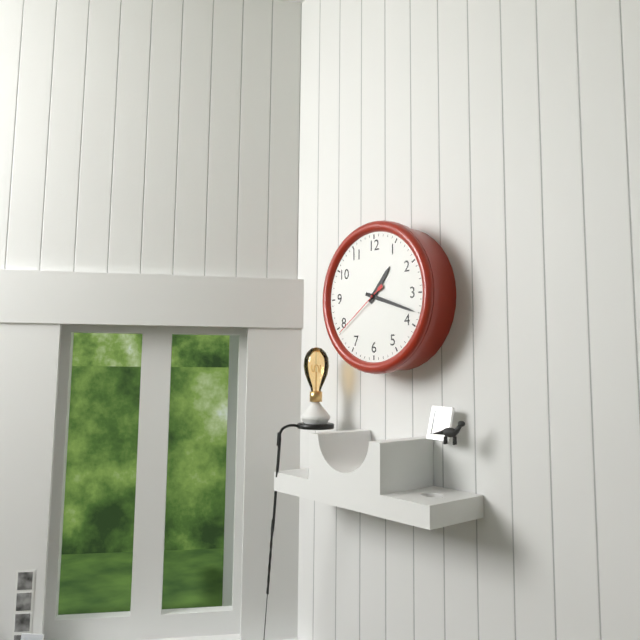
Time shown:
{"hour": 1, "minute": 18, "second": 39}
